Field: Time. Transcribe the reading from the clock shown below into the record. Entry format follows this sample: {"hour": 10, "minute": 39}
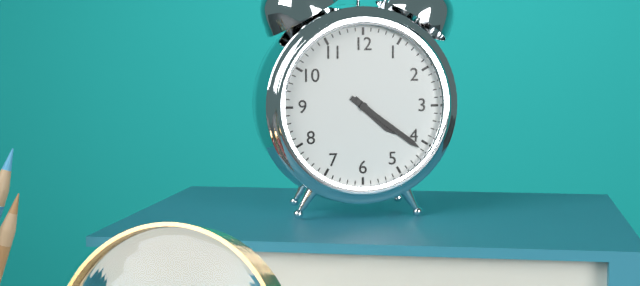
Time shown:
{"hour": 4, "minute": 21}
